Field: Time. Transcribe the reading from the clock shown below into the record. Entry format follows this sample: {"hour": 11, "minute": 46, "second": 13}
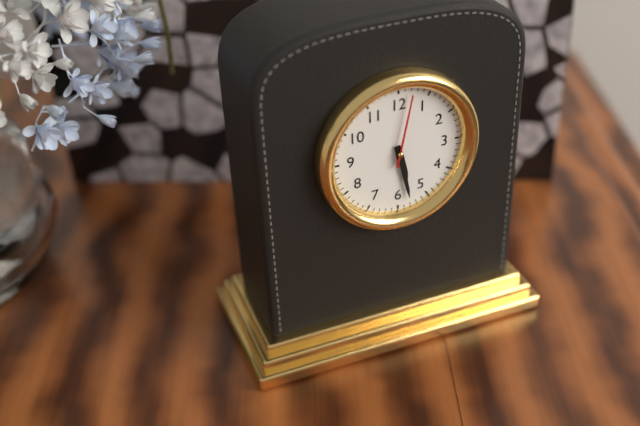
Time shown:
{"hour": 5, "minute": 28, "second": 2}
